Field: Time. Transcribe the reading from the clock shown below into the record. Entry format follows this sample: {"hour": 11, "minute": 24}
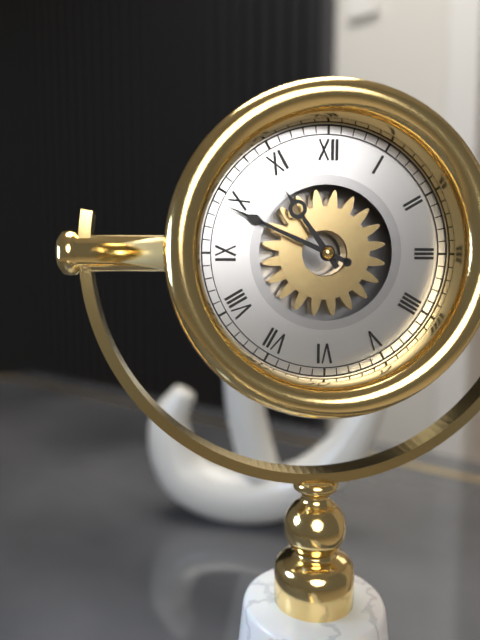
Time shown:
{"hour": 10, "minute": 49}
